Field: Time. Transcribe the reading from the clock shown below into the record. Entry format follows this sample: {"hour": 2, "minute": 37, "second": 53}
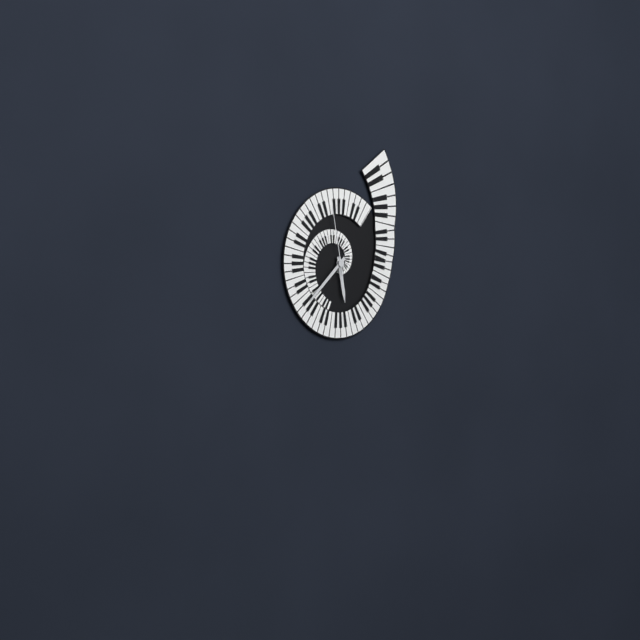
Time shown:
{"hour": 5, "minute": 38, "second": 58}
